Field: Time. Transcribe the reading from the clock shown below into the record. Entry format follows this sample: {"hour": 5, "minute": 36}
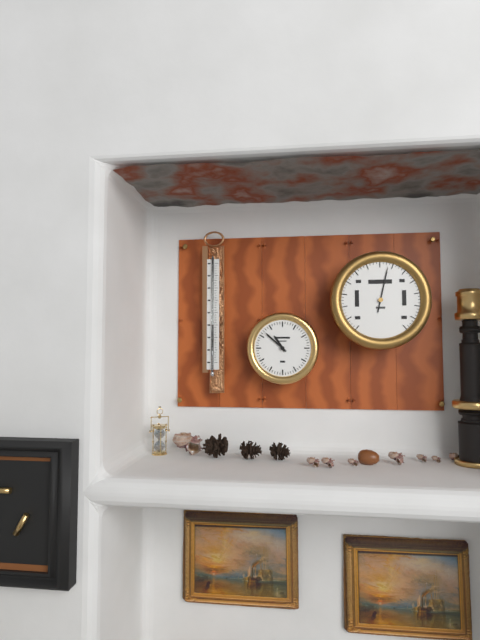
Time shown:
{"hour": 10, "minute": 52}
